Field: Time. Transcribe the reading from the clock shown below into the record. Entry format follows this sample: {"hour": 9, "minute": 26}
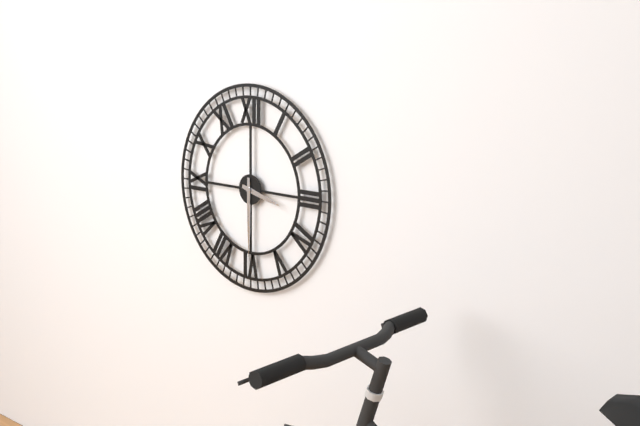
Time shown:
{"hour": 3, "minute": 30}
